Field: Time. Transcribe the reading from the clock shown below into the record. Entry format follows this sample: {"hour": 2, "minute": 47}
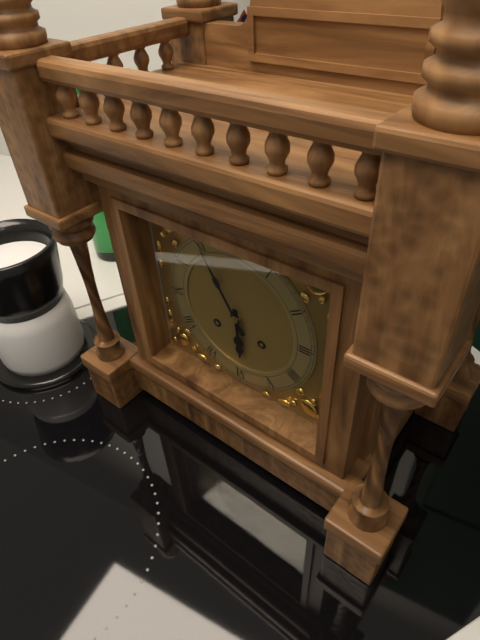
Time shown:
{"hour": 5, "minute": 55}
